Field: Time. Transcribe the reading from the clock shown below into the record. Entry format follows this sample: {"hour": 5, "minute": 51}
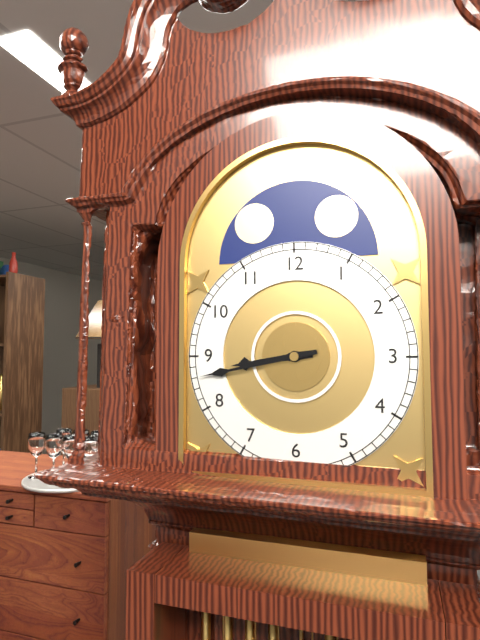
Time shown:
{"hour": 8, "minute": 43}
